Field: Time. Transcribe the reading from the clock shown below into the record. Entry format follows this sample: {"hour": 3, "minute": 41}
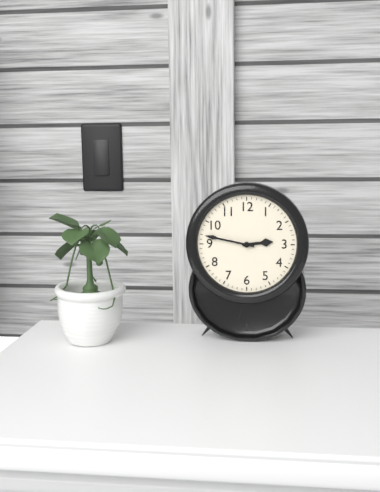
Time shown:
{"hour": 2, "minute": 47}
